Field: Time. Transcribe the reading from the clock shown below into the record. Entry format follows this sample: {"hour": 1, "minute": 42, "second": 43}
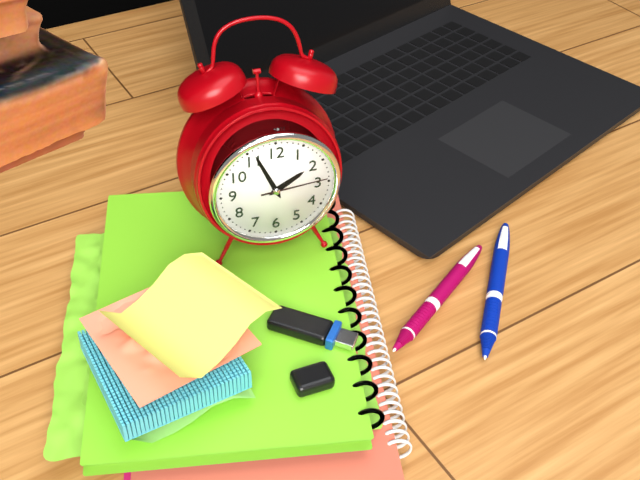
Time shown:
{"hour": 1, "minute": 56, "second": 14}
